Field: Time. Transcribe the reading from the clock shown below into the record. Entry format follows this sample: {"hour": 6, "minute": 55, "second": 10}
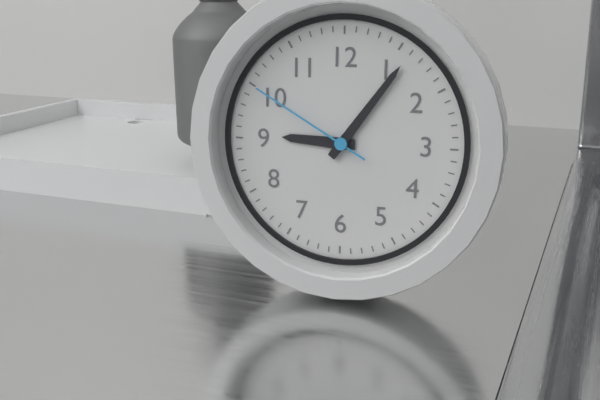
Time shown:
{"hour": 9, "minute": 6, "second": 50}
